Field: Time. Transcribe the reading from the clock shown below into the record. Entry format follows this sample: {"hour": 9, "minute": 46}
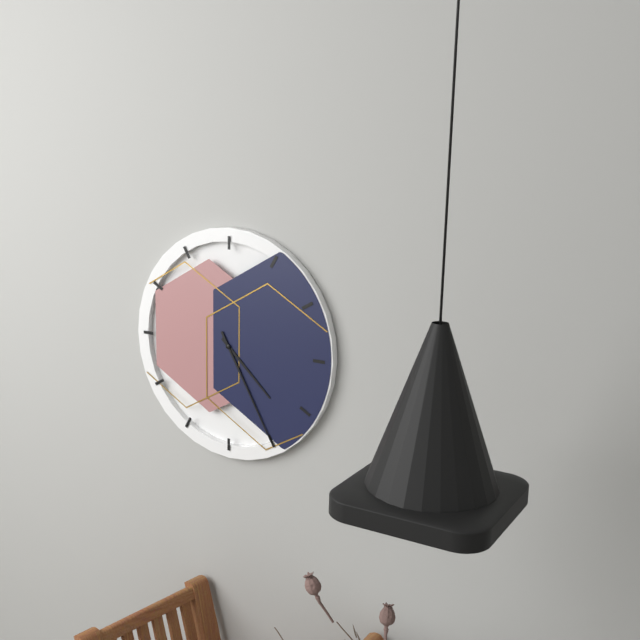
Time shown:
{"hour": 4, "minute": 25}
